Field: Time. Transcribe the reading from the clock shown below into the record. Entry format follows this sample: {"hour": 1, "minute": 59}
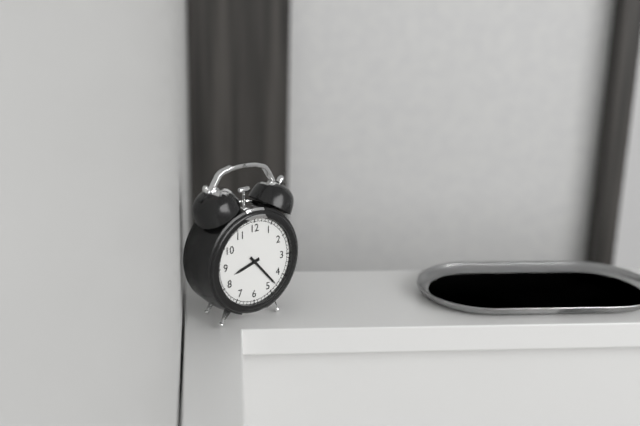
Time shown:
{"hour": 8, "minute": 23}
